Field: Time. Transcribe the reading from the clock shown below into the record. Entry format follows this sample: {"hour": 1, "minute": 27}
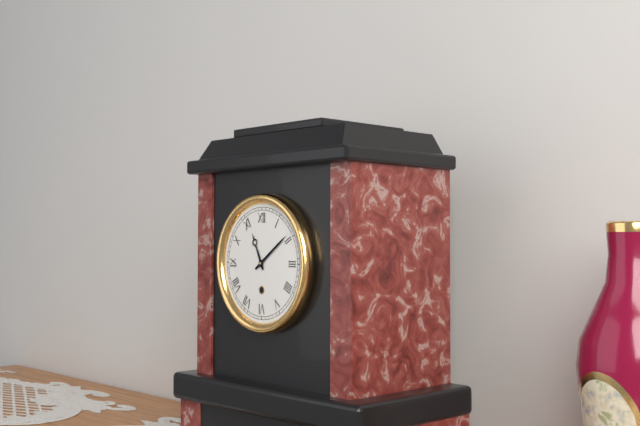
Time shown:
{"hour": 11, "minute": 9}
